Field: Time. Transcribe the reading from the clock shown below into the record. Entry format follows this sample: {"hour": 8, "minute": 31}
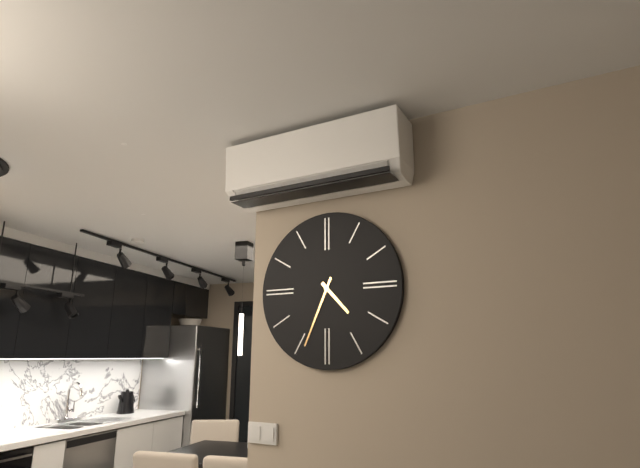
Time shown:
{"hour": 4, "minute": 34}
